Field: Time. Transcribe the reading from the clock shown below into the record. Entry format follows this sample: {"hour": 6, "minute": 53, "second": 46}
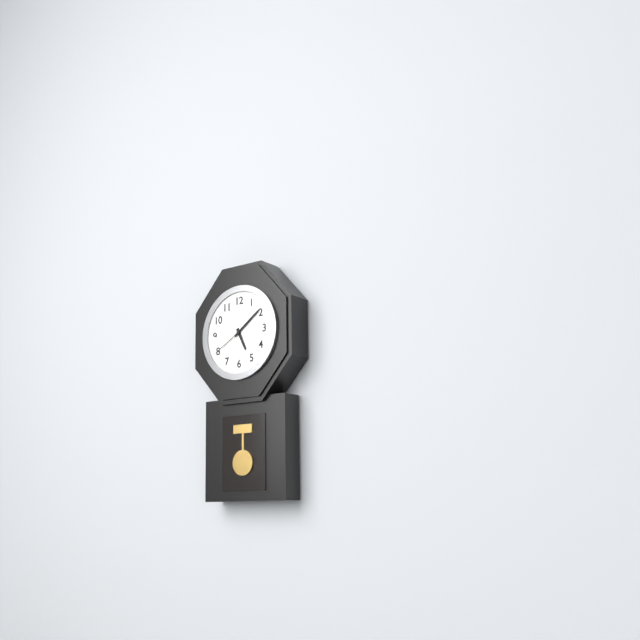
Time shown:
{"hour": 5, "minute": 9, "second": 40}
